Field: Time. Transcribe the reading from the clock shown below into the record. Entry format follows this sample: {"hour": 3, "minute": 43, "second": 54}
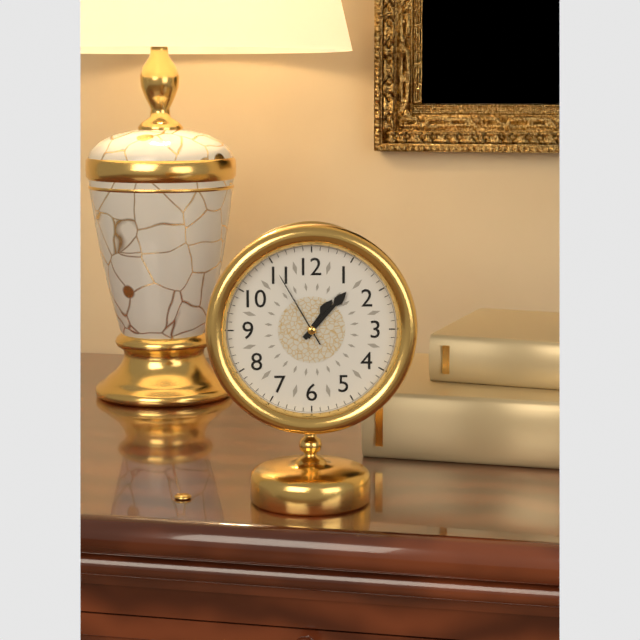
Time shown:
{"hour": 1, "minute": 7, "second": 55}
